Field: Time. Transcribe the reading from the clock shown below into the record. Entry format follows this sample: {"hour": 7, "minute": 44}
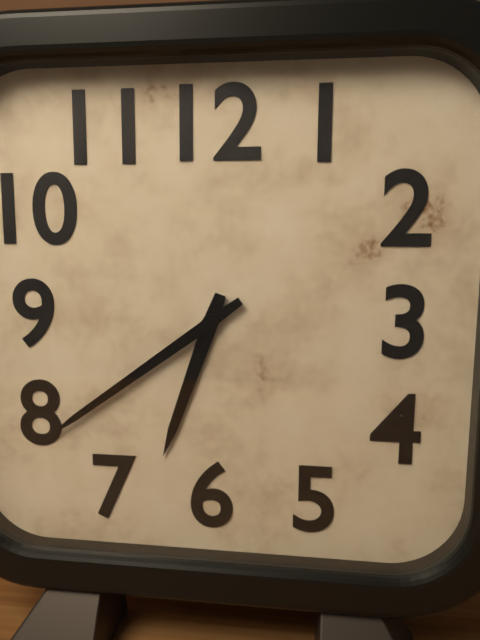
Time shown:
{"hour": 6, "minute": 39}
